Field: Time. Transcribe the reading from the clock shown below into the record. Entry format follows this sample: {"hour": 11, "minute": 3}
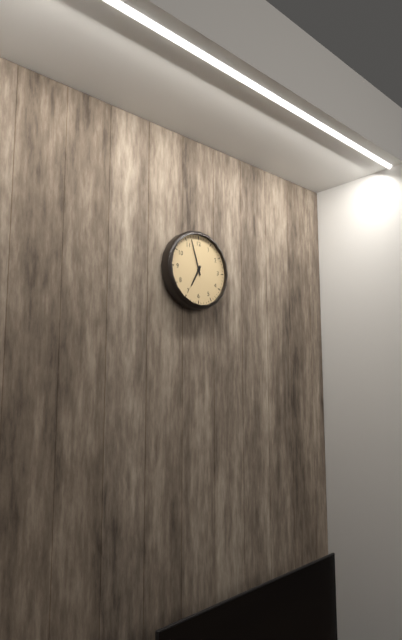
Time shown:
{"hour": 6, "minute": 57}
